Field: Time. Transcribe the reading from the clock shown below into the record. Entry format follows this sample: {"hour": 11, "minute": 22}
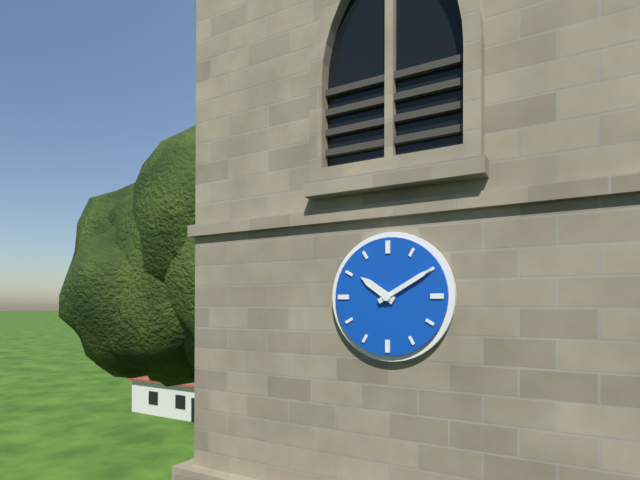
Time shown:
{"hour": 10, "minute": 10}
